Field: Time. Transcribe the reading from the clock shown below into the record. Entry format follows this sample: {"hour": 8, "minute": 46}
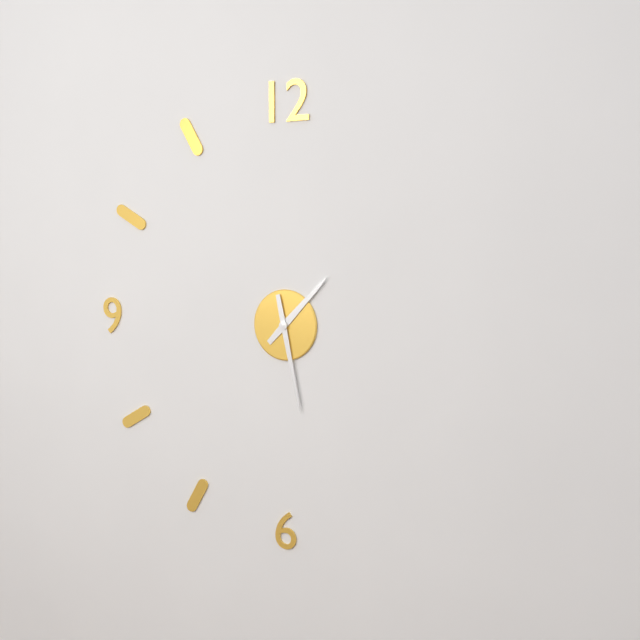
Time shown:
{"hour": 1, "minute": 28}
